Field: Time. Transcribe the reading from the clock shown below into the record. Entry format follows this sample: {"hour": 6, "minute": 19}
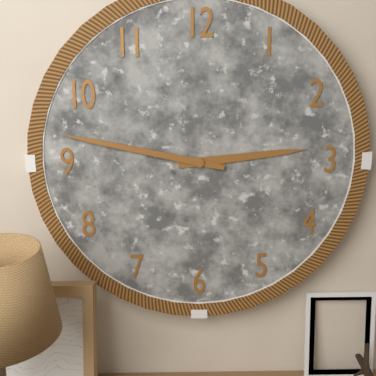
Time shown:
{"hour": 2, "minute": 47}
